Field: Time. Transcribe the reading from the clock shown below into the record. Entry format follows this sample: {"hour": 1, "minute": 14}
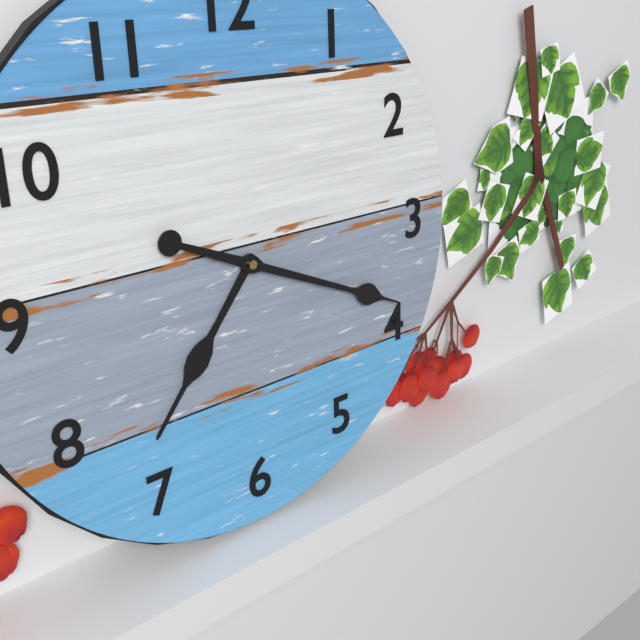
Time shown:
{"hour": 7, "minute": 19}
